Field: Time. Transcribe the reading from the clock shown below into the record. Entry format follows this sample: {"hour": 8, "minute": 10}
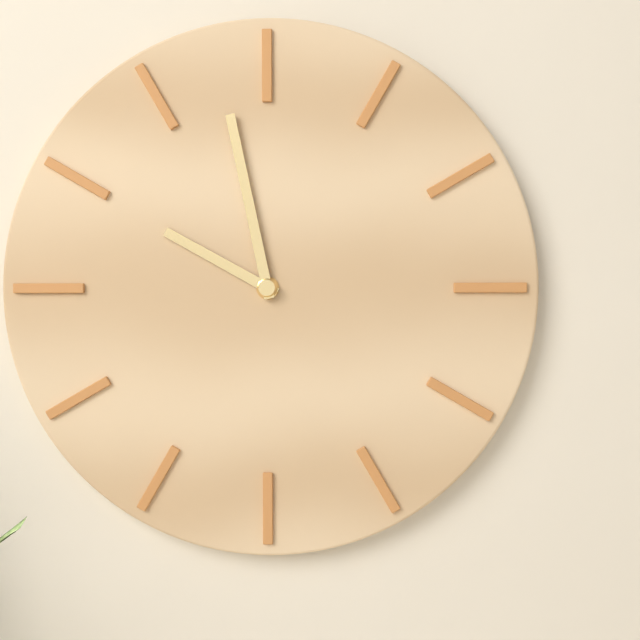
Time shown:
{"hour": 9, "minute": 58}
